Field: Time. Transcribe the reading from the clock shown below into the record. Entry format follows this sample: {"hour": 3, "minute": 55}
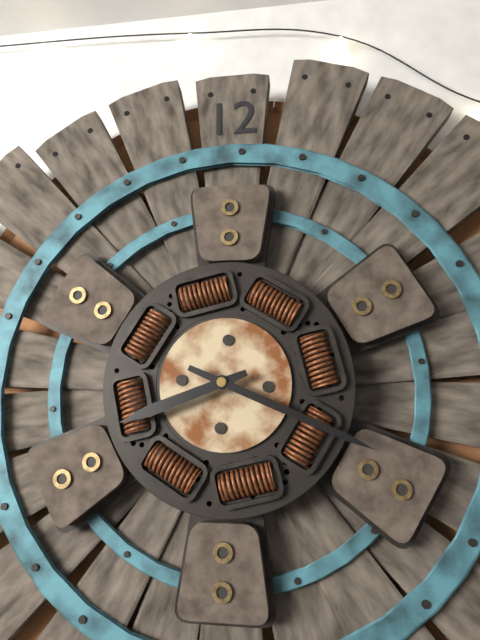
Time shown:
{"hour": 8, "minute": 19}
